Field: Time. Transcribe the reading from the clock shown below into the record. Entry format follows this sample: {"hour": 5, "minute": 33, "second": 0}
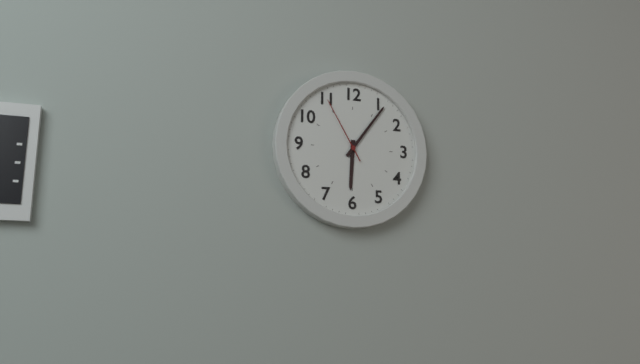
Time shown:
{"hour": 6, "minute": 6, "second": 55}
